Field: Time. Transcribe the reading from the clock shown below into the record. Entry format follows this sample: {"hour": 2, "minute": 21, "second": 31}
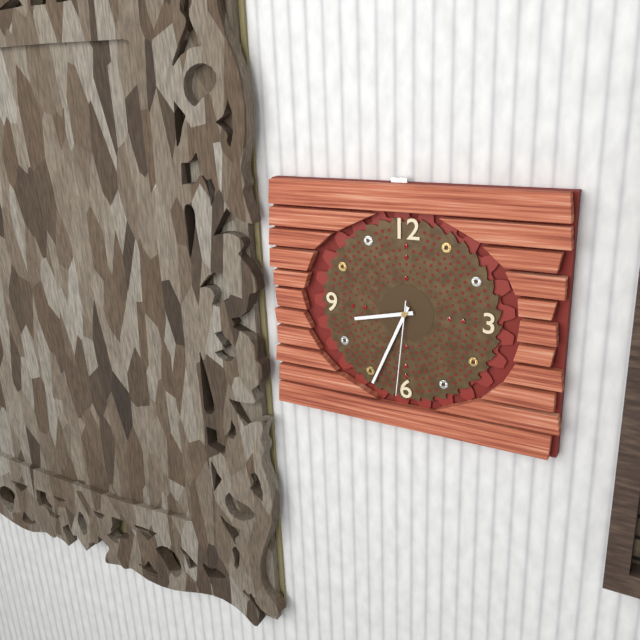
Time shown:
{"hour": 8, "minute": 34, "second": 31}
